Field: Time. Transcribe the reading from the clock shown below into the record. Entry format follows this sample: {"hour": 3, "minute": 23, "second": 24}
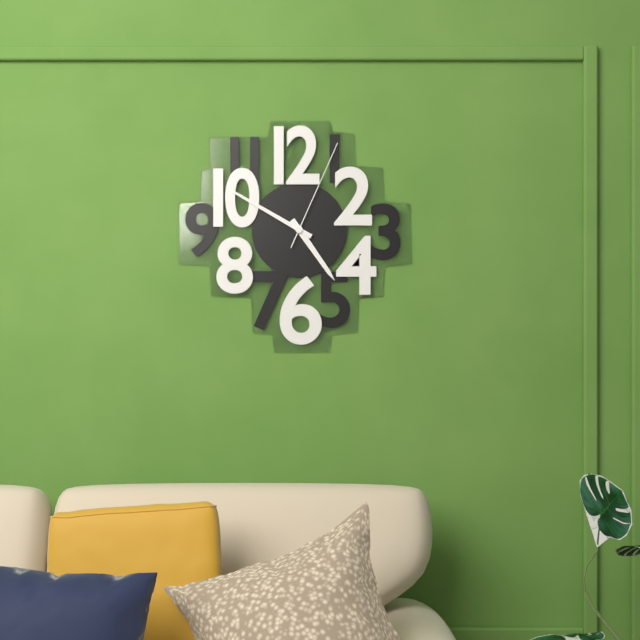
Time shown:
{"hour": 4, "minute": 50, "second": 4}
